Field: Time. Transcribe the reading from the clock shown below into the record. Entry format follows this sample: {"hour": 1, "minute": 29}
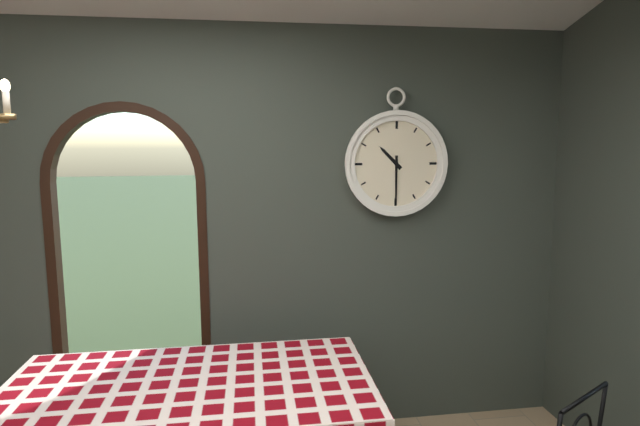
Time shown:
{"hour": 10, "minute": 30}
